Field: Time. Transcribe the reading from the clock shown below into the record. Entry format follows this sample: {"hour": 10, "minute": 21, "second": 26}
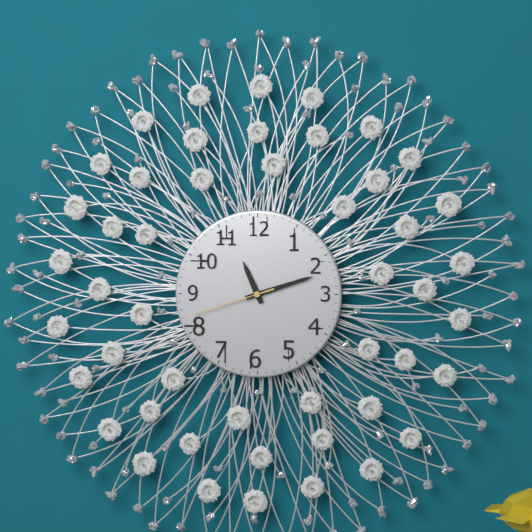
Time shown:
{"hour": 11, "minute": 12, "second": 42}
